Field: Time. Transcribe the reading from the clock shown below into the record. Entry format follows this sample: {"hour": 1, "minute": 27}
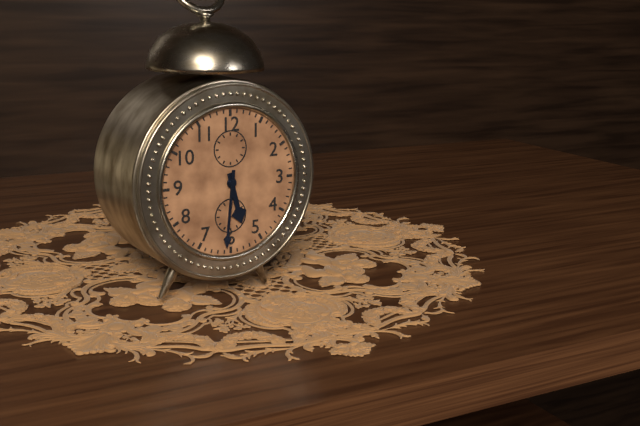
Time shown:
{"hour": 5, "minute": 31}
